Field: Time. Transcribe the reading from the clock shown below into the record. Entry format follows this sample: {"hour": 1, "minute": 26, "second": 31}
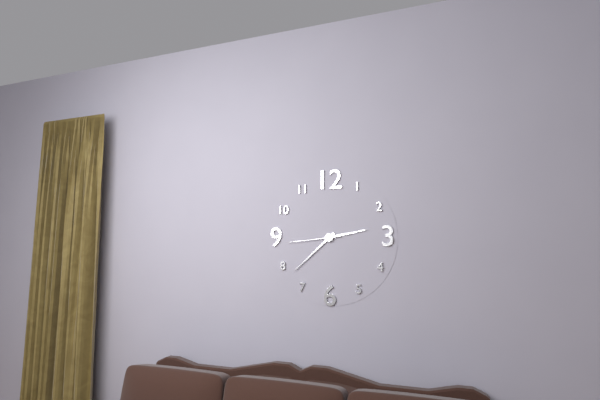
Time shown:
{"hour": 2, "minute": 38, "second": 44}
